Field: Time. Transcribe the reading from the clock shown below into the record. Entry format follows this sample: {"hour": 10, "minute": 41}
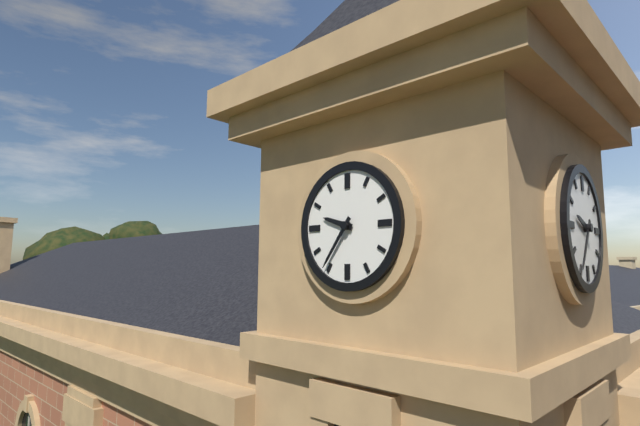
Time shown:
{"hour": 9, "minute": 36}
